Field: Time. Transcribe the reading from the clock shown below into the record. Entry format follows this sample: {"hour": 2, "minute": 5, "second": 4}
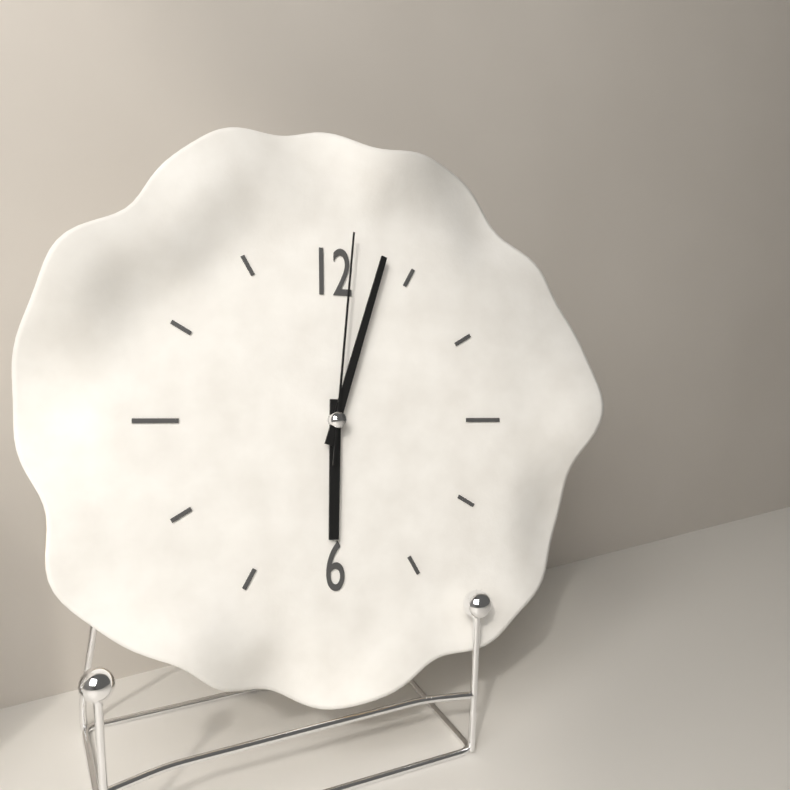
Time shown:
{"hour": 6, "minute": 3, "second": 1}
